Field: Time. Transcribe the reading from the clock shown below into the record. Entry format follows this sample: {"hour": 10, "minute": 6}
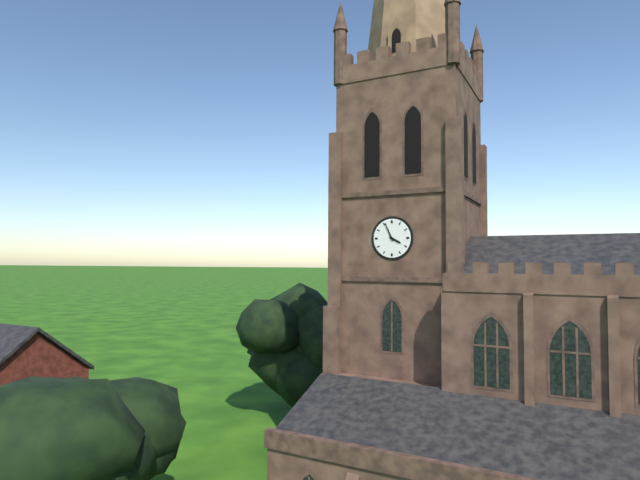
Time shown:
{"hour": 3, "minute": 56}
